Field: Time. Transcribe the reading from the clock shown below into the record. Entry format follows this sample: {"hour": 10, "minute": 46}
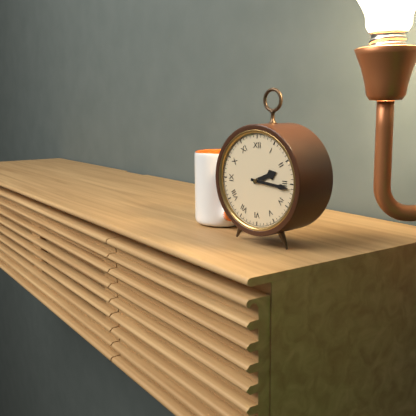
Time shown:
{"hour": 2, "minute": 16}
